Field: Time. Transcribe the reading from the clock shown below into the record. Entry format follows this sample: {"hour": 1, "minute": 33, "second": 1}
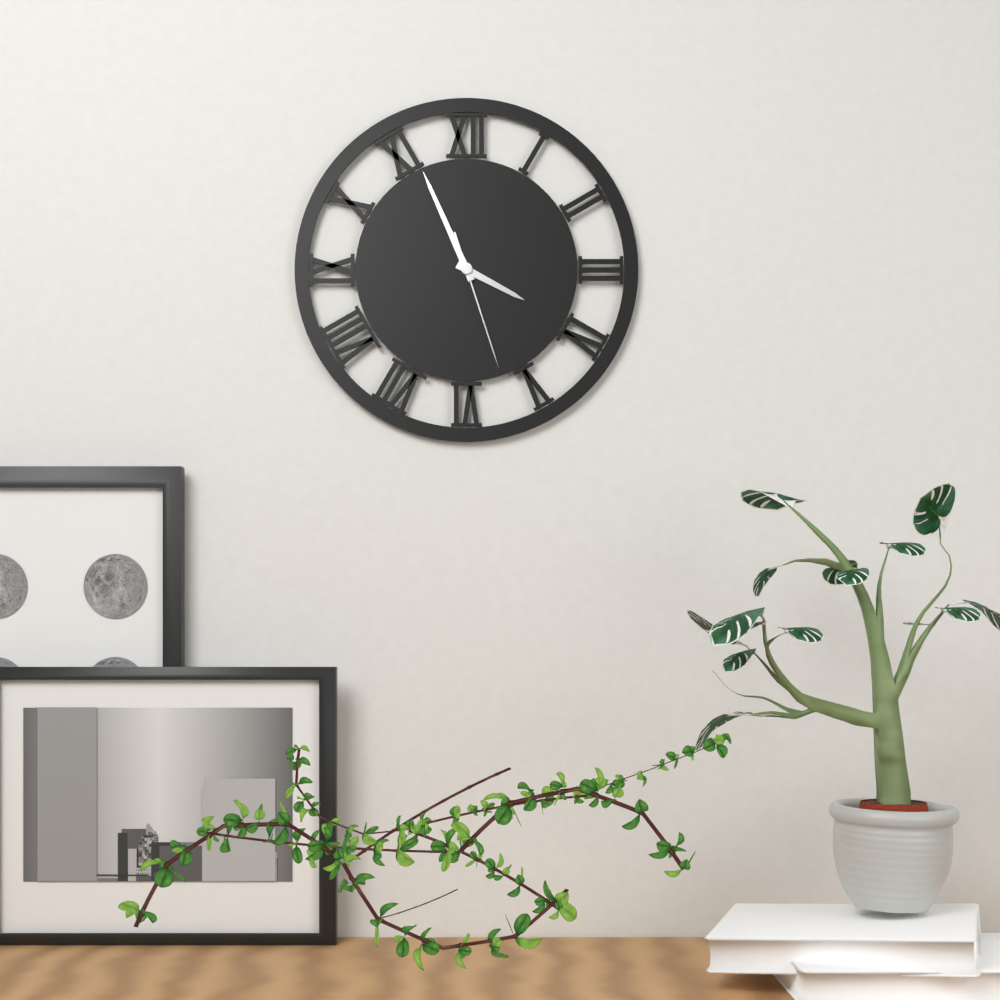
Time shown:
{"hour": 3, "minute": 56, "second": 27}
